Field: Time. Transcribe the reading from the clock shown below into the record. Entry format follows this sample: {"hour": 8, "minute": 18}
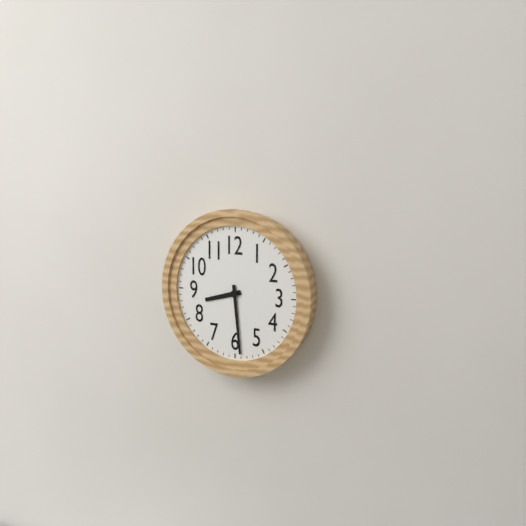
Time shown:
{"hour": 8, "minute": 29}
